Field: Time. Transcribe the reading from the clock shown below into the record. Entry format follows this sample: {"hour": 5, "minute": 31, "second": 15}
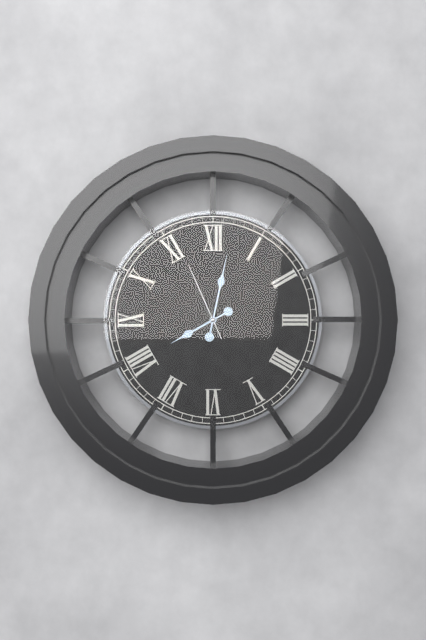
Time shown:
{"hour": 8, "minute": 2, "second": 56}
